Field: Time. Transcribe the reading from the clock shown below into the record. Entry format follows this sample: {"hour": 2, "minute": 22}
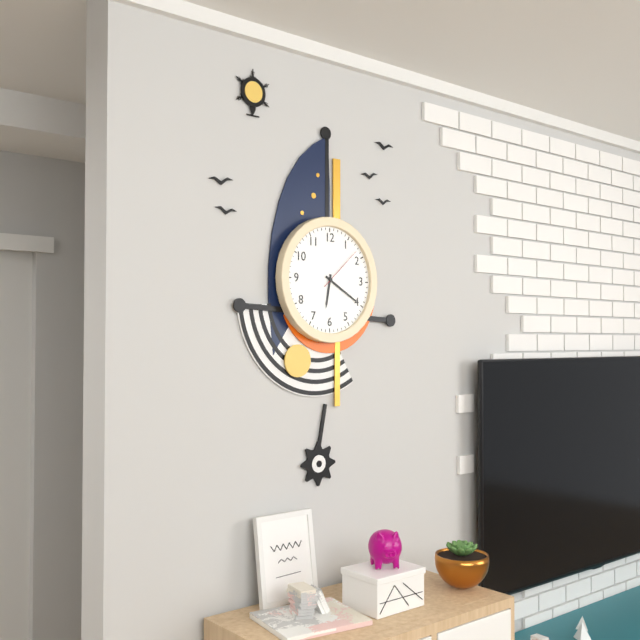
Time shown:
{"hour": 6, "minute": 20}
